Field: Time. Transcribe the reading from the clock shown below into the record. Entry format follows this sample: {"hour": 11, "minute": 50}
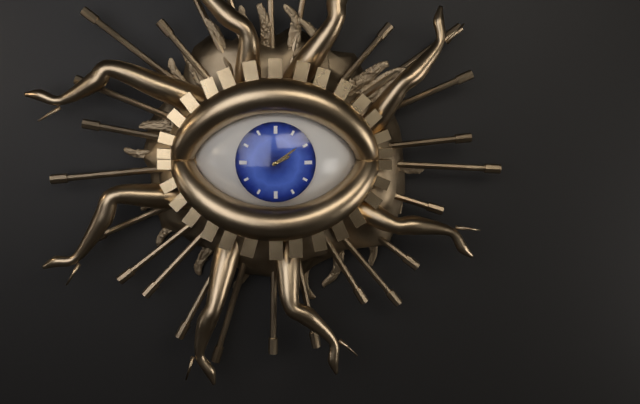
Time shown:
{"hour": 2, "minute": 9}
